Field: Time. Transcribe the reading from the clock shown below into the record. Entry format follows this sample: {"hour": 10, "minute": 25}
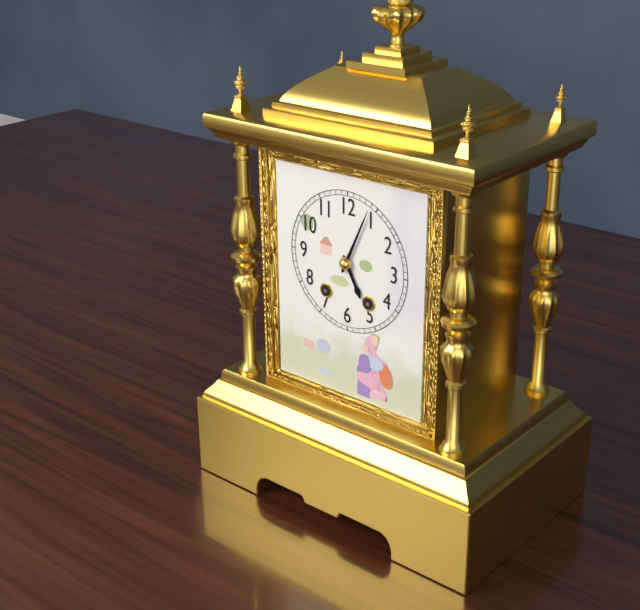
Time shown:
{"hour": 5, "minute": 4}
